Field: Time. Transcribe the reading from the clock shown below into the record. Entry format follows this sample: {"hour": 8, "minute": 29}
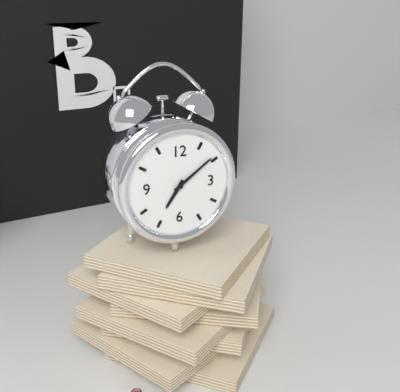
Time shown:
{"hour": 7, "minute": 9}
